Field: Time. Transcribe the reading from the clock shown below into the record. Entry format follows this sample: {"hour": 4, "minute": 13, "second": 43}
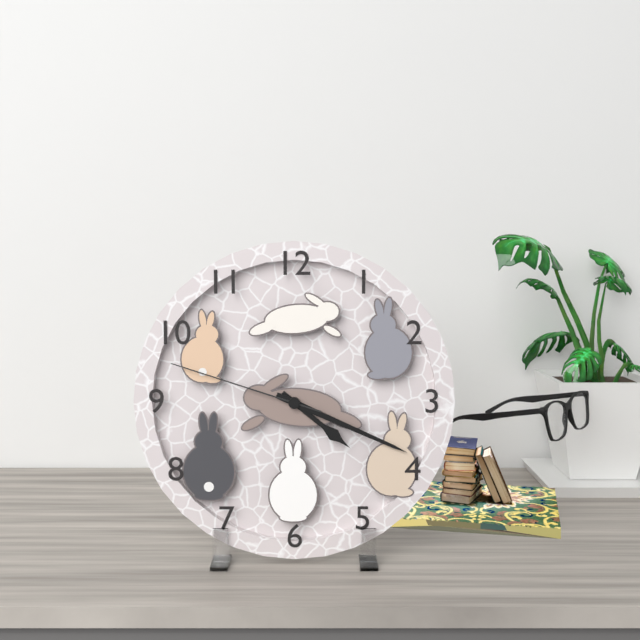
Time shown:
{"hour": 4, "minute": 19, "second": 48}
